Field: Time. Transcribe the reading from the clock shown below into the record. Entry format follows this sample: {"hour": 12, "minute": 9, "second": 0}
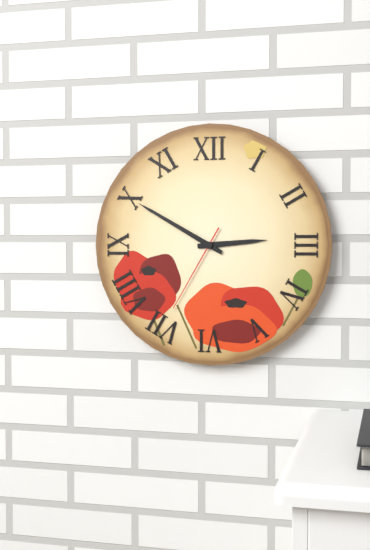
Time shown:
{"hour": 2, "minute": 50, "second": 35}
